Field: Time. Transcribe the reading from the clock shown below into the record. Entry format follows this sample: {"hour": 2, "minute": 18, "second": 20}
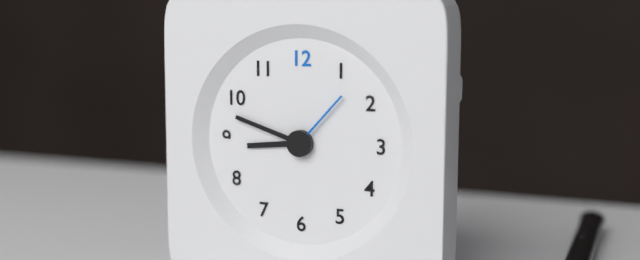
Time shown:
{"hour": 8, "minute": 48, "second": 7}
